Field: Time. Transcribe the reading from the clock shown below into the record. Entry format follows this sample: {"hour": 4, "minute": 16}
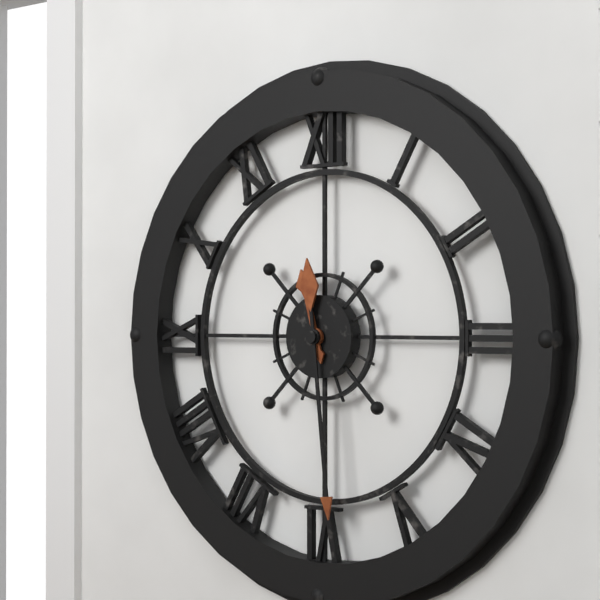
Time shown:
{"hour": 11, "minute": 29}
